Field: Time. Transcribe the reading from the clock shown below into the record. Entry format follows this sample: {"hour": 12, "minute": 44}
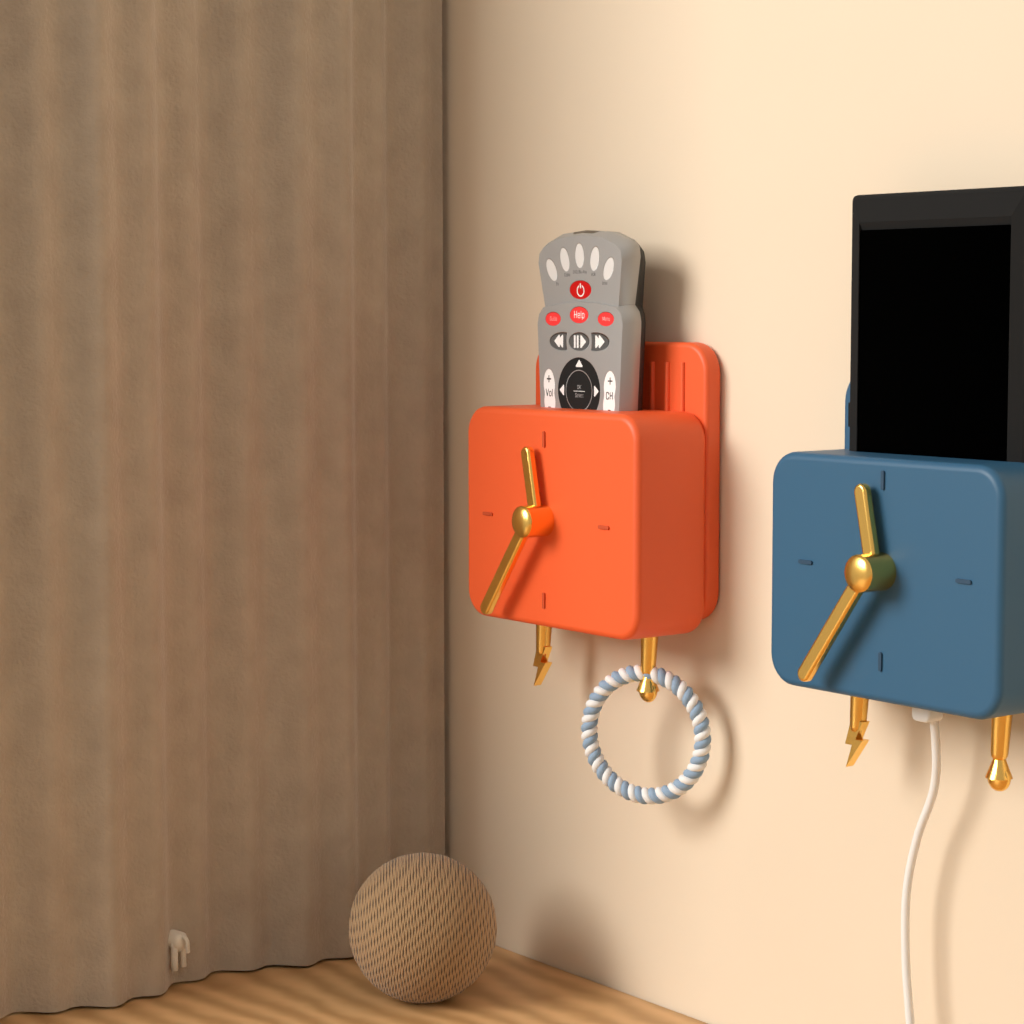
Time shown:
{"hour": 11, "minute": 36}
